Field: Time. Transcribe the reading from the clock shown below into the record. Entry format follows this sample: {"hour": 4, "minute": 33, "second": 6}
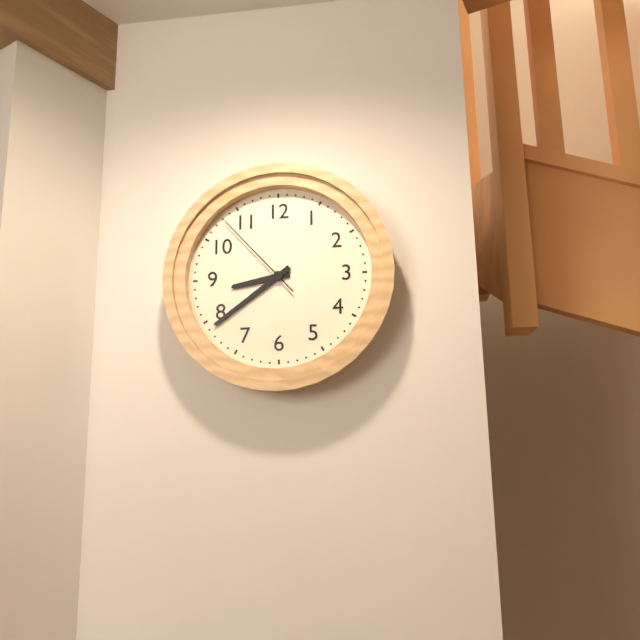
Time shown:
{"hour": 8, "minute": 39, "second": 53}
